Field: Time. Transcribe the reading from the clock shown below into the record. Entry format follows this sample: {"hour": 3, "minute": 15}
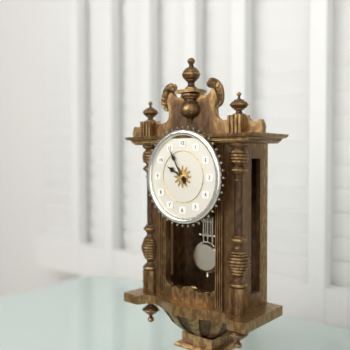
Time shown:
{"hour": 9, "minute": 55}
